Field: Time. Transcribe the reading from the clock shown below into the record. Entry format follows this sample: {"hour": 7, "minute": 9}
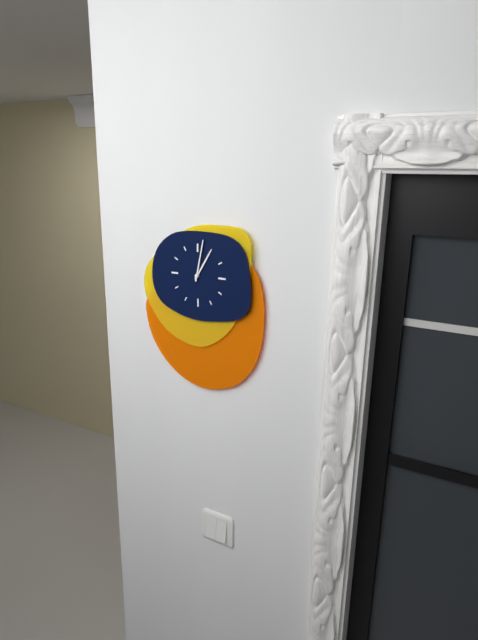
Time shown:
{"hour": 1, "minute": 2}
